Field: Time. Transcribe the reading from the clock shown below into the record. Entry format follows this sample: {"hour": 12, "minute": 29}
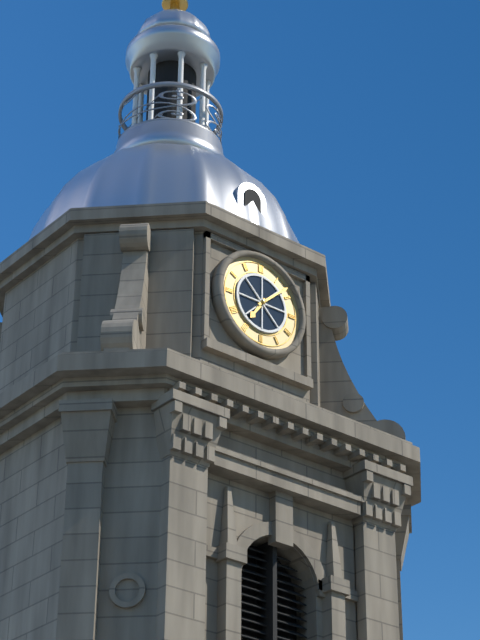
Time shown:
{"hour": 7, "minute": 8}
